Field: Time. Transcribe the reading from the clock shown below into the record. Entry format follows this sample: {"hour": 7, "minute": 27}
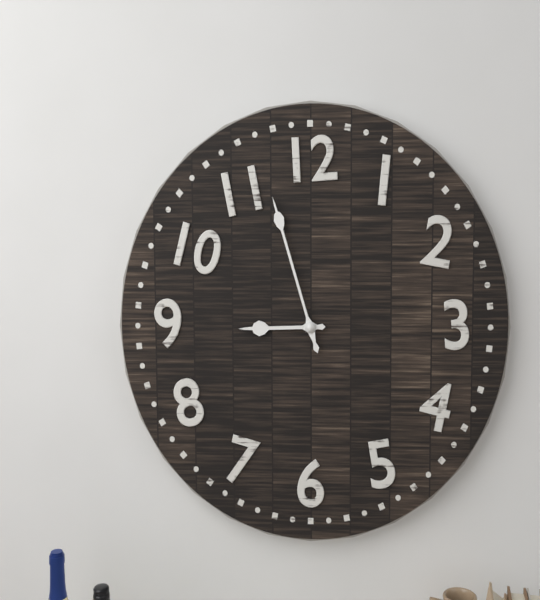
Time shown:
{"hour": 8, "minute": 57}
